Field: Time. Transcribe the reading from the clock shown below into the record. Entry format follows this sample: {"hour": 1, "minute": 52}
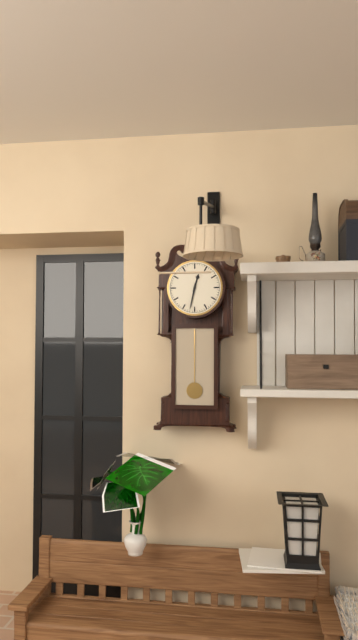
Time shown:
{"hour": 12, "minute": 32}
